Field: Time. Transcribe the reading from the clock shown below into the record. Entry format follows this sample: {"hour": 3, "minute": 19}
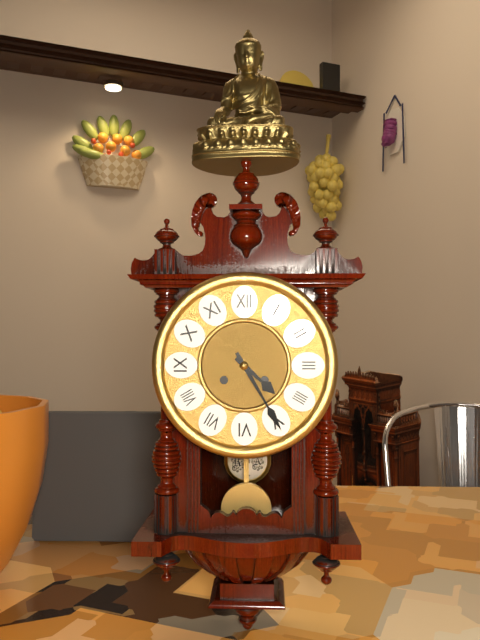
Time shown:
{"hour": 4, "minute": 25}
